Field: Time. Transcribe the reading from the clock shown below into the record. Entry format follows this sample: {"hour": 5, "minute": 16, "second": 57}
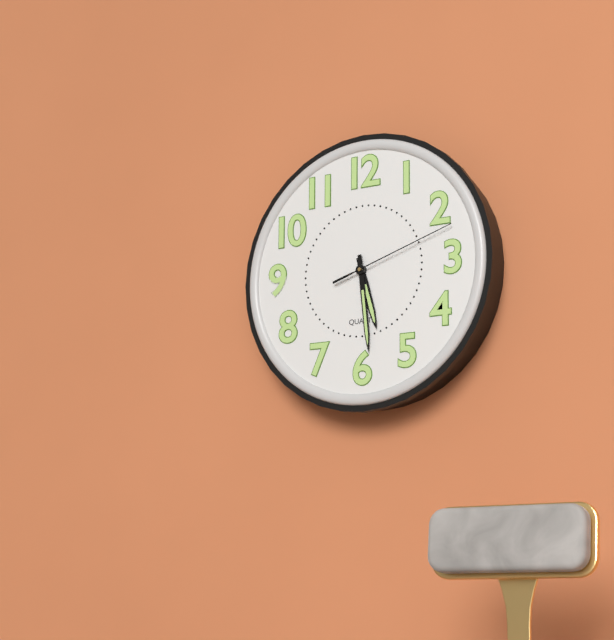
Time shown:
{"hour": 5, "minute": 29, "second": 12}
